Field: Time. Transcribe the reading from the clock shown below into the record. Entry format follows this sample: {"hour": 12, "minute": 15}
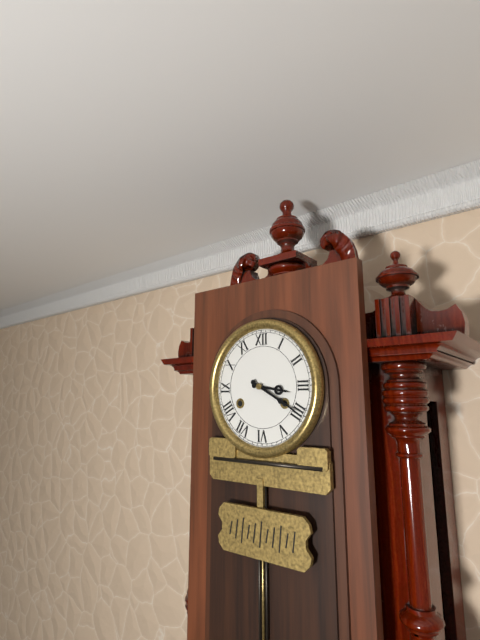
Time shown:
{"hour": 3, "minute": 20}
